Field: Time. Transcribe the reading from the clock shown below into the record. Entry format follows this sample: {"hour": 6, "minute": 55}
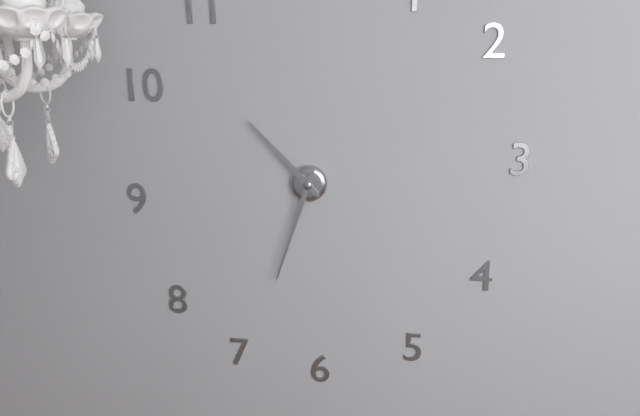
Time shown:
{"hour": 10, "minute": 33}
